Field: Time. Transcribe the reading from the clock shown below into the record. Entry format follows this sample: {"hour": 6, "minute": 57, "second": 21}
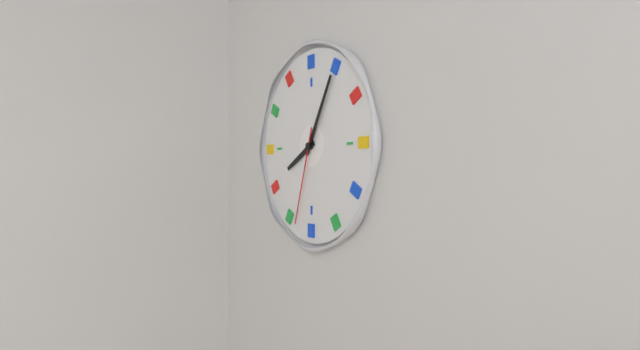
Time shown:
{"hour": 8, "minute": 5, "second": 33}
